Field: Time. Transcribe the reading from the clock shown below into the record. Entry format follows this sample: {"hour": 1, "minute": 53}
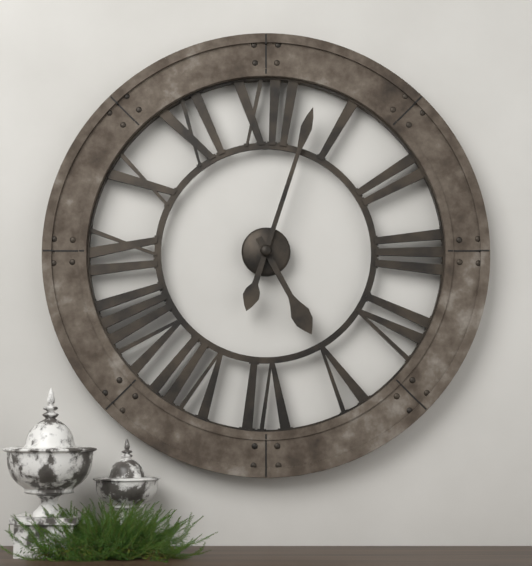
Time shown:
{"hour": 5, "minute": 3}
